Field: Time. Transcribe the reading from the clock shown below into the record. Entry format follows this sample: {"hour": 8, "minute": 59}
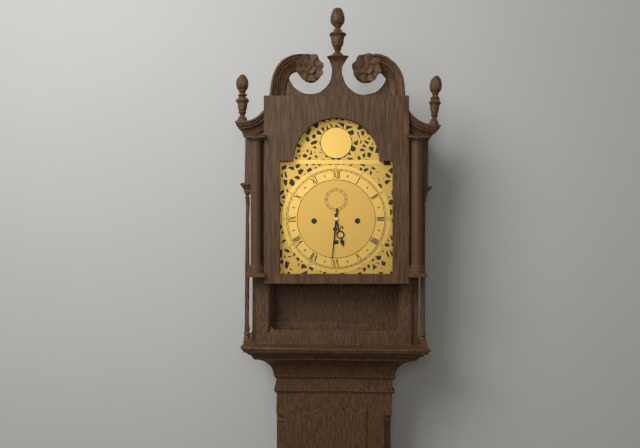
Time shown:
{"hour": 5, "minute": 31}
